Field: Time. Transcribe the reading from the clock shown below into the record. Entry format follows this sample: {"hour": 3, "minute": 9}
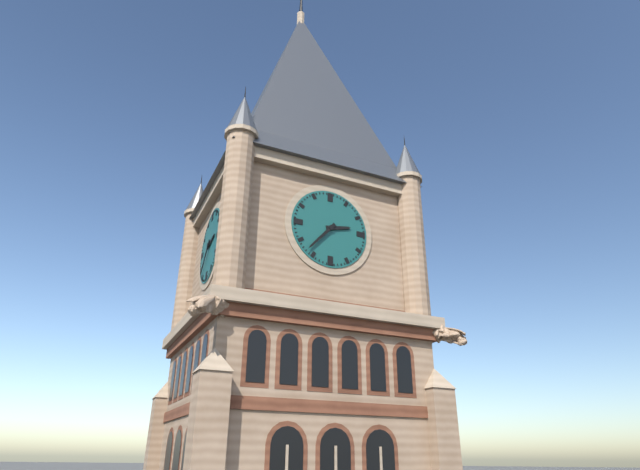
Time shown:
{"hour": 2, "minute": 37}
